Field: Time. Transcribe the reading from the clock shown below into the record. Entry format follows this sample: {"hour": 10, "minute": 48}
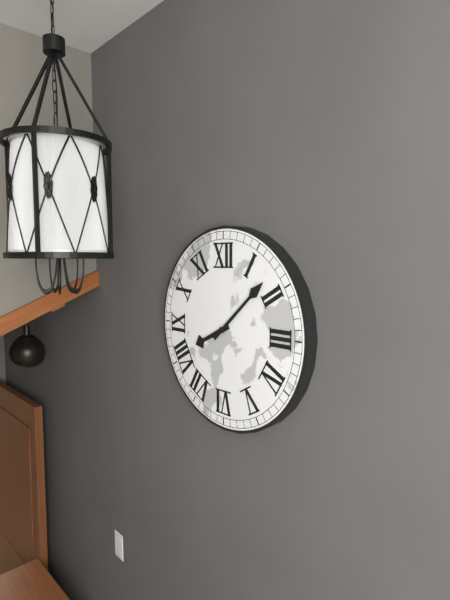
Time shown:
{"hour": 8, "minute": 8}
